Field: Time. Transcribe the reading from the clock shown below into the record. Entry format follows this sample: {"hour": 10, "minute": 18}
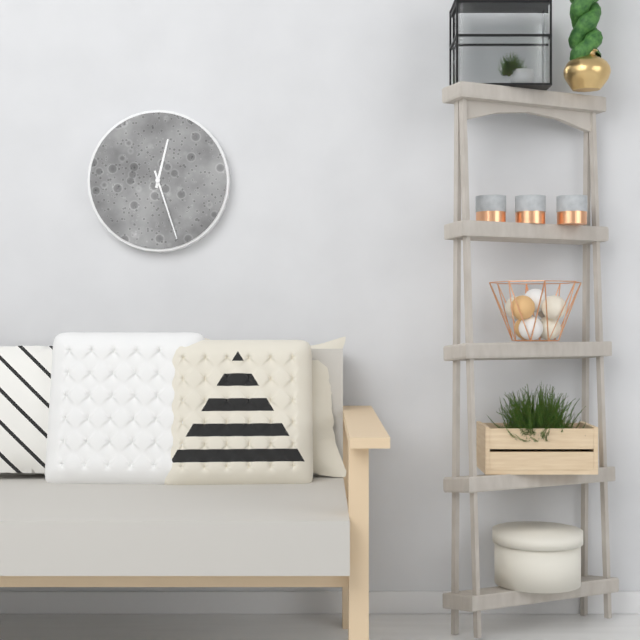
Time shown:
{"hour": 12, "minute": 27}
